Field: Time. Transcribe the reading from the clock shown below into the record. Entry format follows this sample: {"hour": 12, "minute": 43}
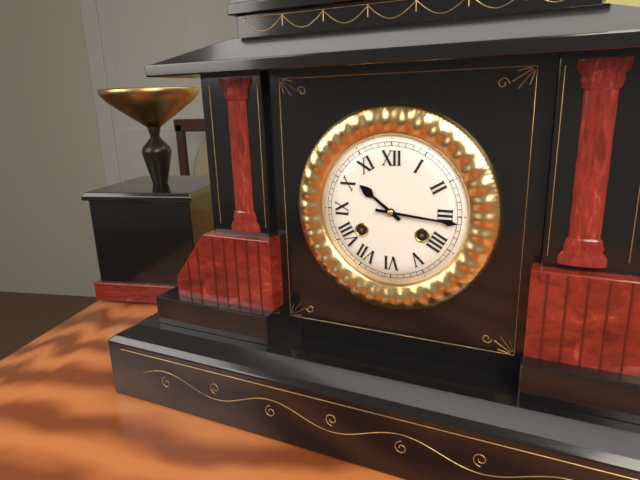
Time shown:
{"hour": 10, "minute": 16}
